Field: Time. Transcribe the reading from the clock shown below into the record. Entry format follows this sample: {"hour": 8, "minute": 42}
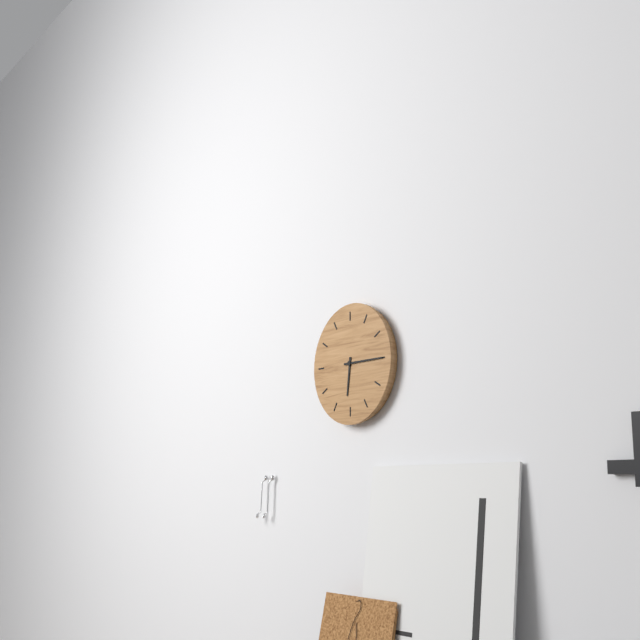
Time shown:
{"hour": 6, "minute": 15}
